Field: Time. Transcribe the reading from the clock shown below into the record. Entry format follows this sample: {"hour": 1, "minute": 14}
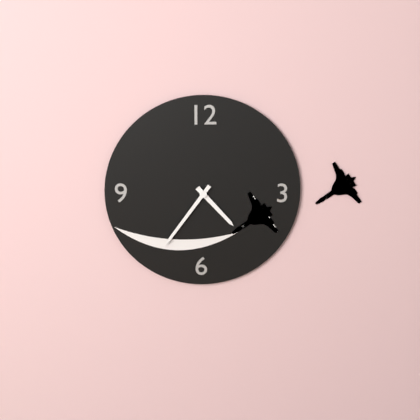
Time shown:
{"hour": 4, "minute": 36}
